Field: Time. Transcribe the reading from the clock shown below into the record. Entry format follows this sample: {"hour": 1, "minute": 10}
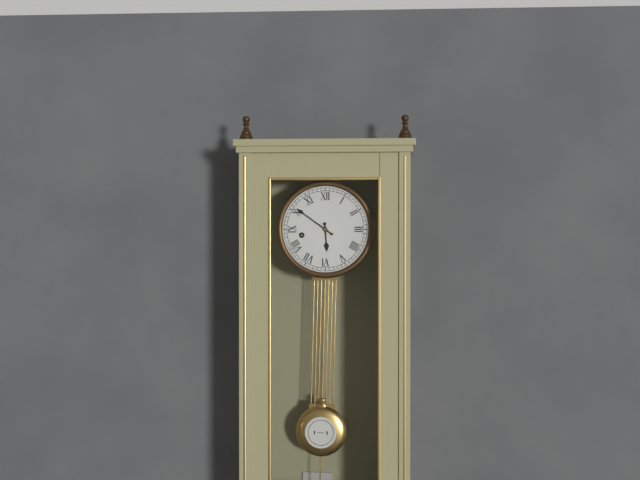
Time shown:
{"hour": 5, "minute": 51}
